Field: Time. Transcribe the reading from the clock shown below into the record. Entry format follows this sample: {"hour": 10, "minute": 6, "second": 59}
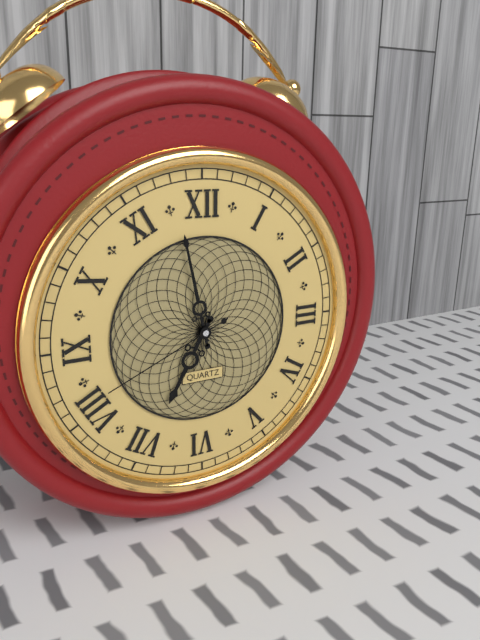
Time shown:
{"hour": 6, "minute": 58, "second": 41}
